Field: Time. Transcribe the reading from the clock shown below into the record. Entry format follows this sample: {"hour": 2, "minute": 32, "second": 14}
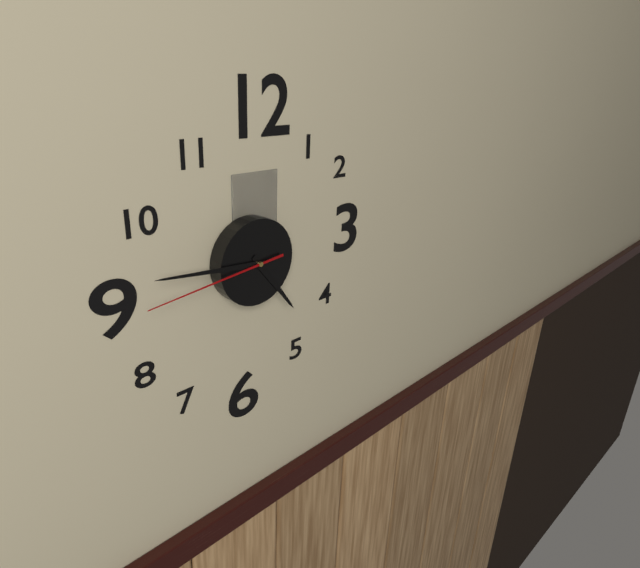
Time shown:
{"hour": 4, "minute": 46, "second": 44}
